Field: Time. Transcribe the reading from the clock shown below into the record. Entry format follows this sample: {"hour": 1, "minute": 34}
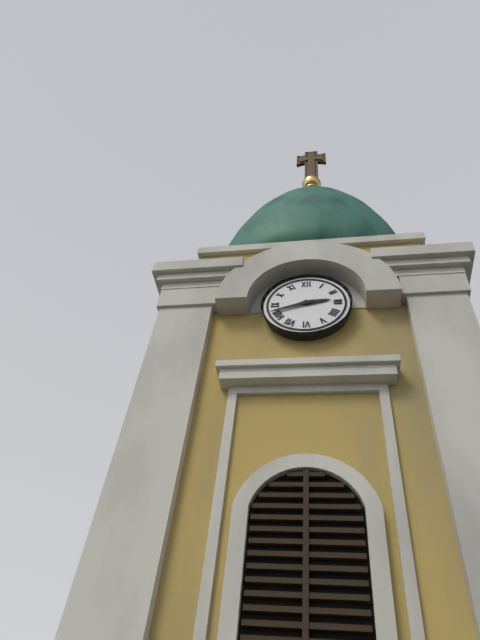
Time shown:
{"hour": 2, "minute": 42}
